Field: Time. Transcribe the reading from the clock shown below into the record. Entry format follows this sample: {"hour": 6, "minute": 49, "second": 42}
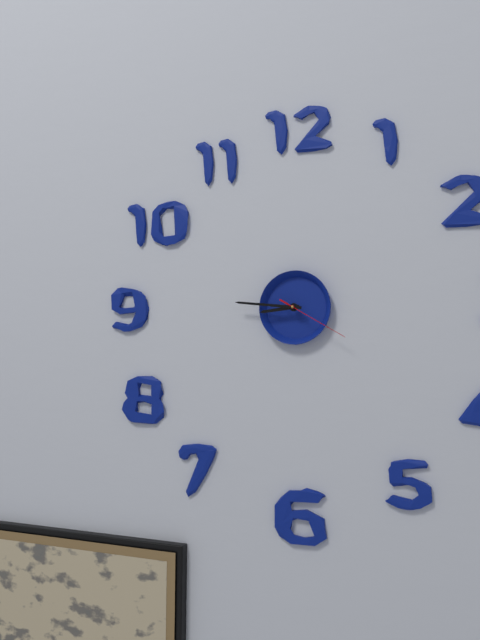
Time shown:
{"hour": 8, "minute": 46, "second": 20}
